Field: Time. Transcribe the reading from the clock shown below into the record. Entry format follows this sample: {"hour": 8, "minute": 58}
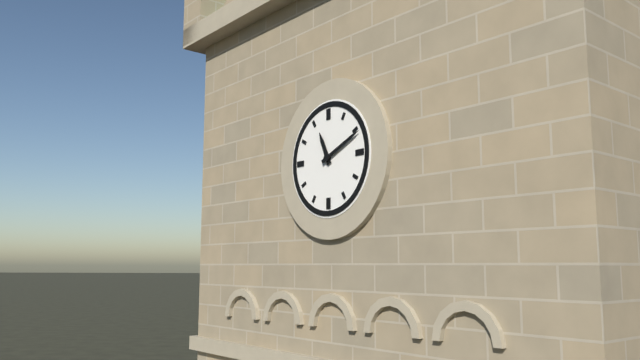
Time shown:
{"hour": 11, "minute": 11}
